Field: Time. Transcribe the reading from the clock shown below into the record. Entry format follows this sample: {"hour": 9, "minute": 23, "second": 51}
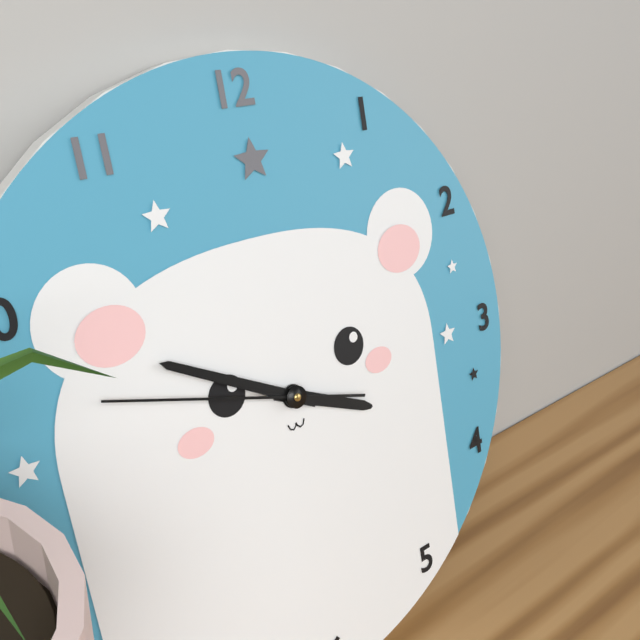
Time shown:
{"hour": 3, "minute": 50, "second": 48}
